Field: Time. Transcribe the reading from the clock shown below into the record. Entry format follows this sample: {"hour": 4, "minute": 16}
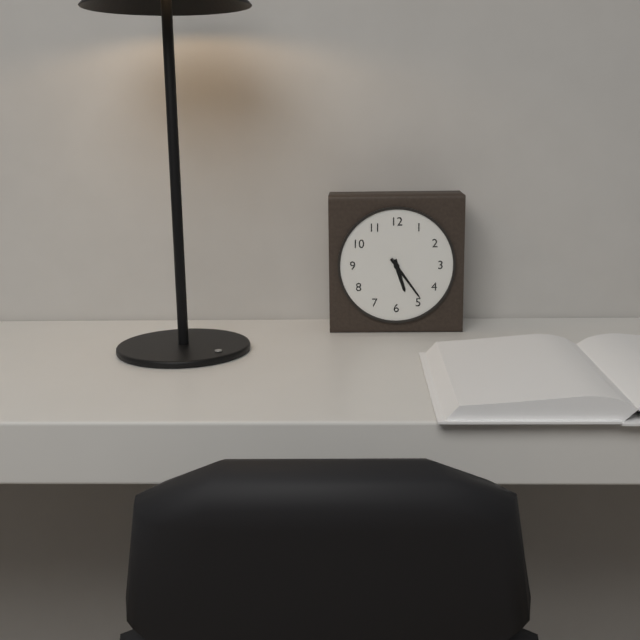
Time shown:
{"hour": 5, "minute": 24}
